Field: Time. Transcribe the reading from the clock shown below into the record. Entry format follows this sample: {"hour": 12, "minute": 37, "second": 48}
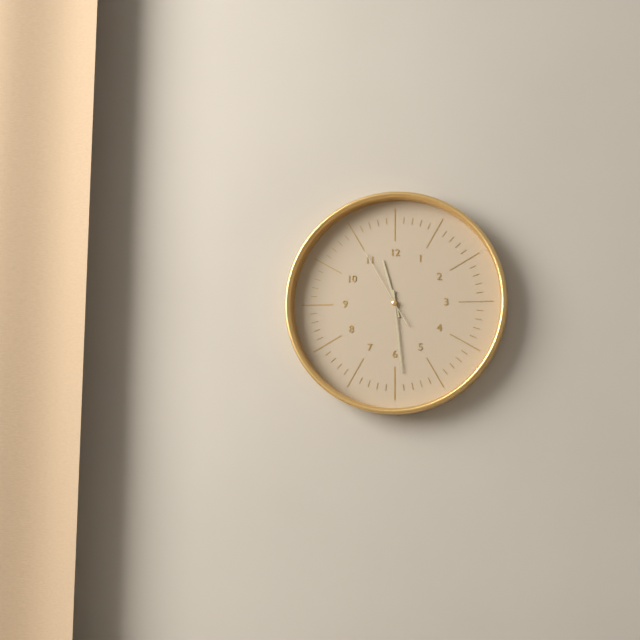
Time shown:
{"hour": 11, "minute": 29, "second": 55}
